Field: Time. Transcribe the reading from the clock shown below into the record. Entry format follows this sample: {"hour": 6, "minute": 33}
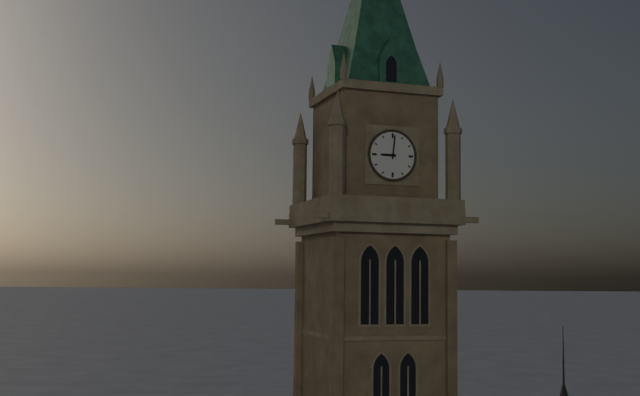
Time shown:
{"hour": 9, "minute": 1}
